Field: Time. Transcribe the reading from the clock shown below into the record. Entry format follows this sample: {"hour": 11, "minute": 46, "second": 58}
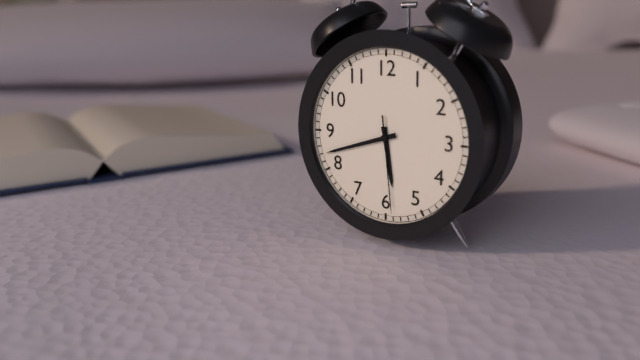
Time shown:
{"hour": 5, "minute": 42, "second": 29}
